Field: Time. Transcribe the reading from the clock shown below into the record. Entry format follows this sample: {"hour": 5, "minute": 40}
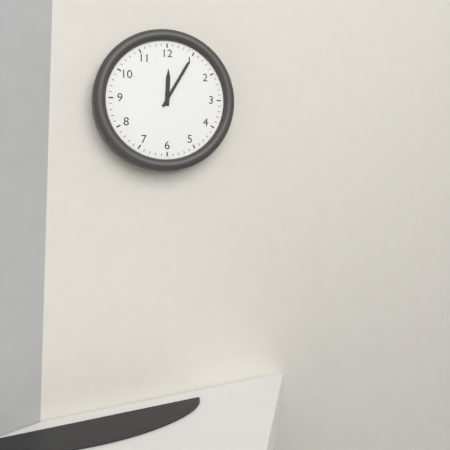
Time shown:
{"hour": 12, "minute": 5}
